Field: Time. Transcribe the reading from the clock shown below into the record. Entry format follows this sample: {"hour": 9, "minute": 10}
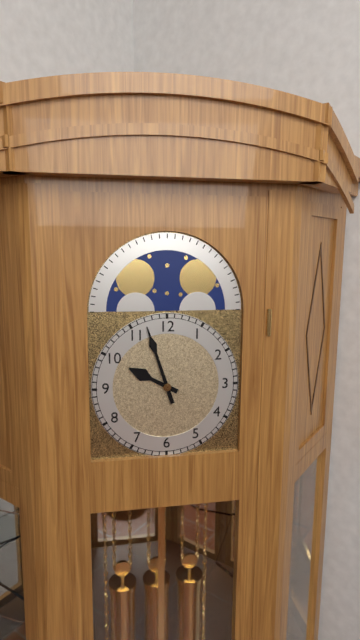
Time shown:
{"hour": 9, "minute": 57}
